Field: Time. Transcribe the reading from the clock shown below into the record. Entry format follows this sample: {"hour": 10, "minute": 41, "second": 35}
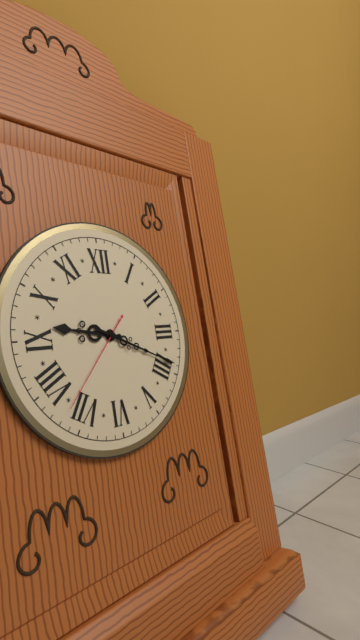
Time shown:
{"hour": 9, "minute": 19, "second": 37}
